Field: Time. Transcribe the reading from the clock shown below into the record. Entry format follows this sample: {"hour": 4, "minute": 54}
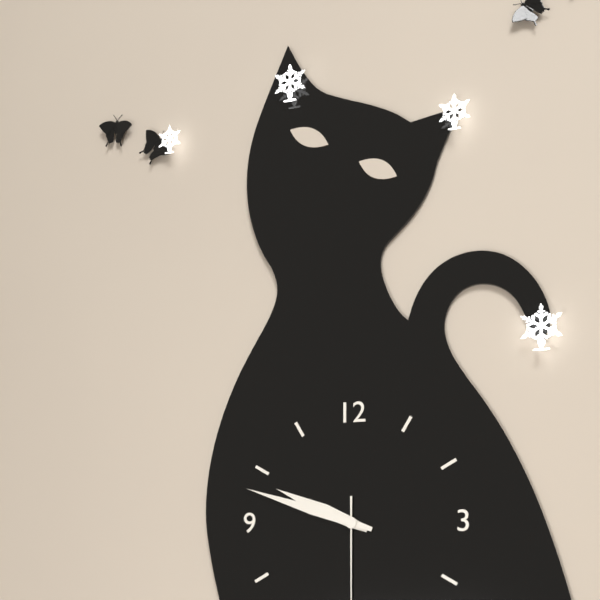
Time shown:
{"hour": 9, "minute": 48}
